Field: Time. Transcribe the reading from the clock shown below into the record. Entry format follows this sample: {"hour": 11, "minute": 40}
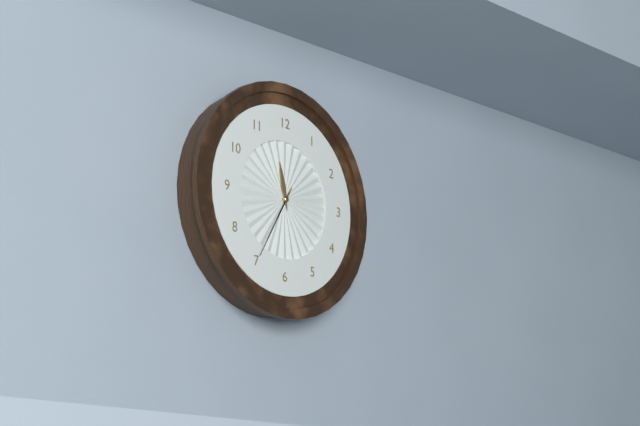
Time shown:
{"hour": 11, "minute": 35}
